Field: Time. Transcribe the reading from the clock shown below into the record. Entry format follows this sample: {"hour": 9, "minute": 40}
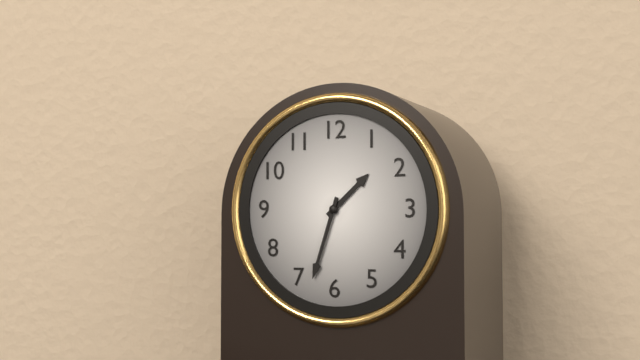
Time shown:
{"hour": 1, "minute": 33}
